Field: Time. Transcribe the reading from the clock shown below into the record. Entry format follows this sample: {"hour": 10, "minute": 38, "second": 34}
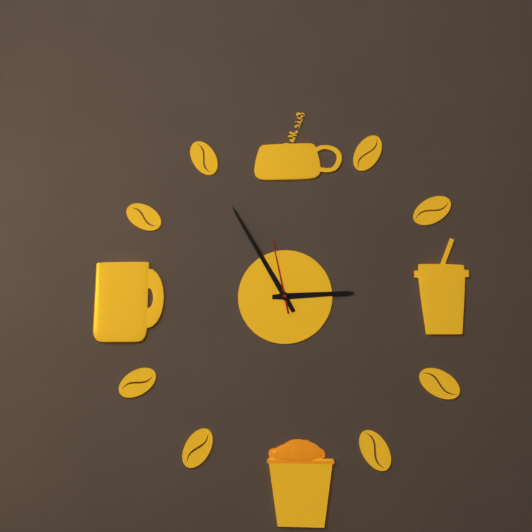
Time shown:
{"hour": 2, "minute": 55, "second": 58}
